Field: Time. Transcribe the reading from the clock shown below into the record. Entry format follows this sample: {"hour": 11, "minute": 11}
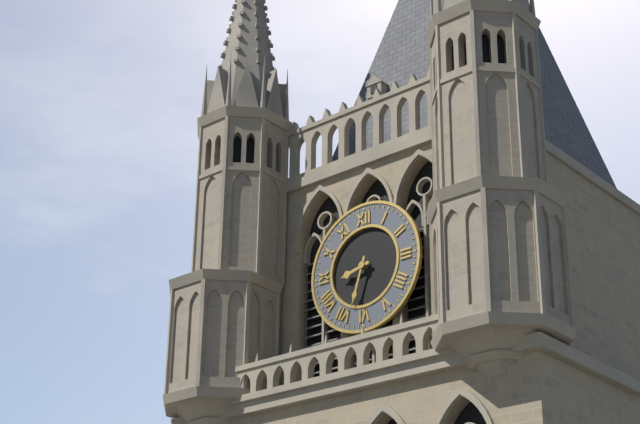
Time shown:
{"hour": 8, "minute": 33}
